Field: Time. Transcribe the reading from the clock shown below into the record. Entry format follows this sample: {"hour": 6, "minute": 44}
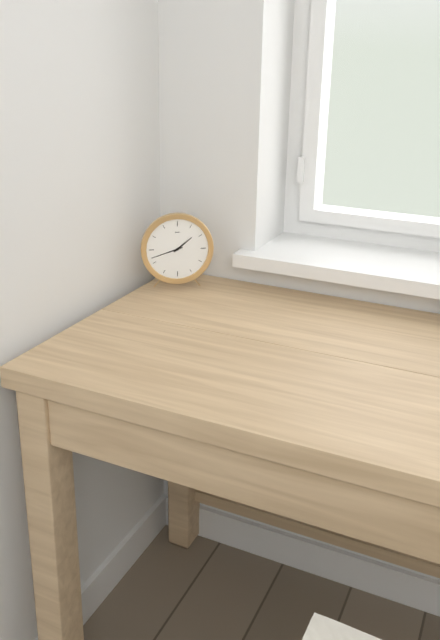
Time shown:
{"hour": 1, "minute": 42}
